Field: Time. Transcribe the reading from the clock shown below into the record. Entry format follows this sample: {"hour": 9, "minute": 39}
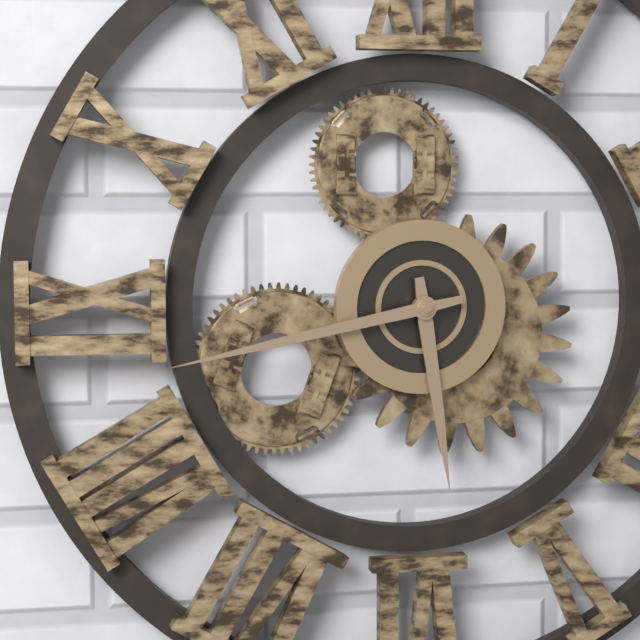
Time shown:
{"hour": 5, "minute": 43}
